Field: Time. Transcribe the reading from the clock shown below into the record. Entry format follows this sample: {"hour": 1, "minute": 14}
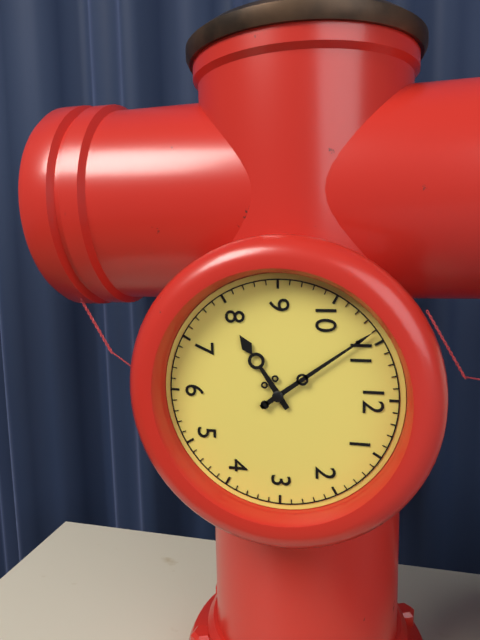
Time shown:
{"hour": 7, "minute": 54}
